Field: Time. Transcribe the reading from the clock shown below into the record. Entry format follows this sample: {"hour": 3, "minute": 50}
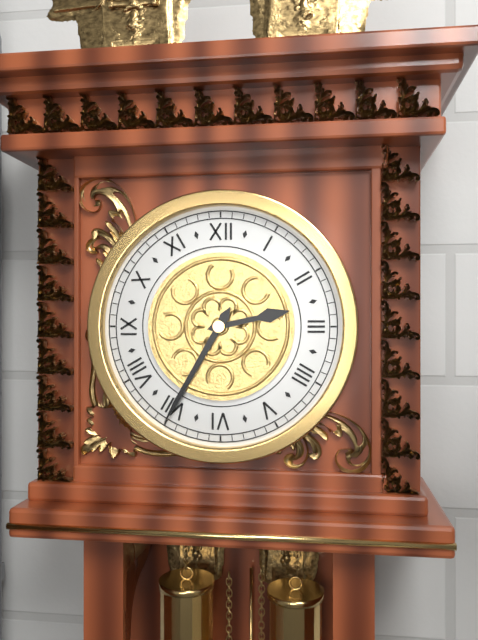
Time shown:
{"hour": 2, "minute": 35}
